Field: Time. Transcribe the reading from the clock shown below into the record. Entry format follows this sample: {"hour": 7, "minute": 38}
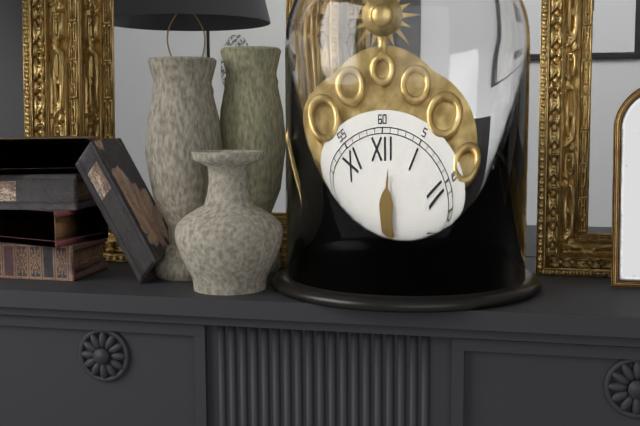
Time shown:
{"hour": 12, "minute": 14}
